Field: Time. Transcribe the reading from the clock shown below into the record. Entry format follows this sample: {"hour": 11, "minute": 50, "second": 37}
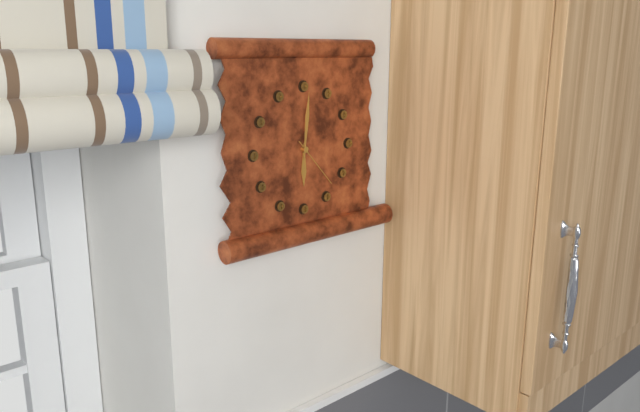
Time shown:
{"hour": 6, "minute": 1, "second": 23}
